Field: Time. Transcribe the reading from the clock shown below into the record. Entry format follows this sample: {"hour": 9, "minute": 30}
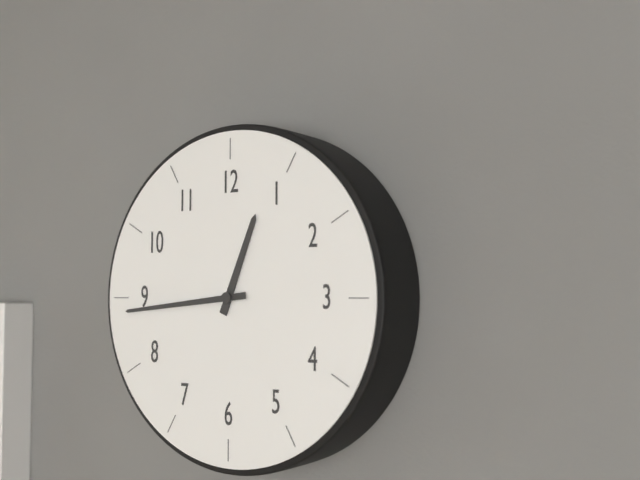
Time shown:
{"hour": 12, "minute": 44}
